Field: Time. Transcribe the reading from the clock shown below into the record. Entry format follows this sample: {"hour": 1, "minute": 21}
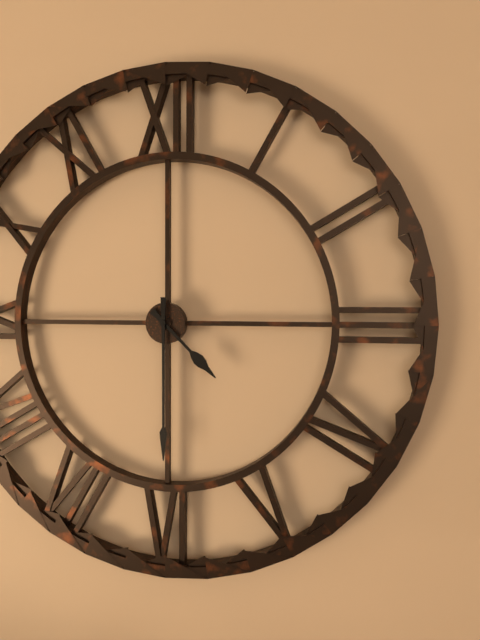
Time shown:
{"hour": 4, "minute": 30}
